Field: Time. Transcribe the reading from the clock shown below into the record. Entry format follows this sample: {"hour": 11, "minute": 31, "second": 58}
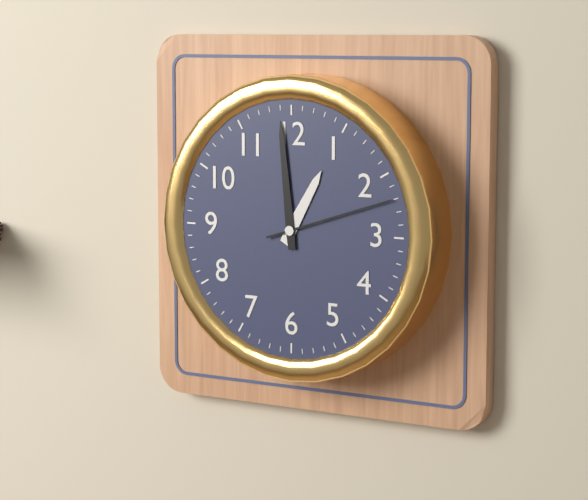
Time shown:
{"hour": 12, "minute": 59, "second": 12}
